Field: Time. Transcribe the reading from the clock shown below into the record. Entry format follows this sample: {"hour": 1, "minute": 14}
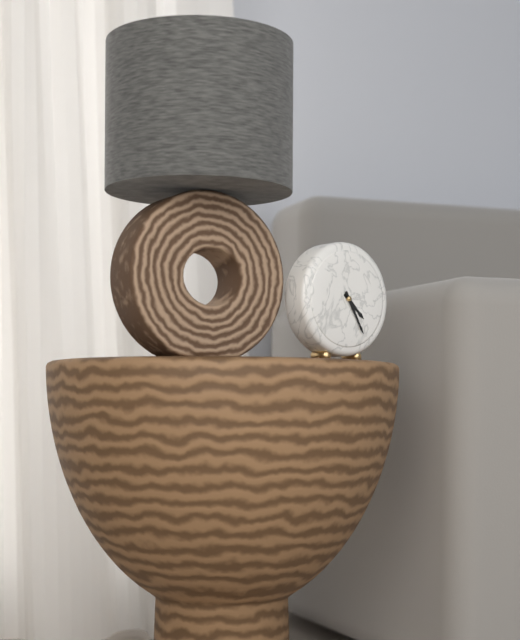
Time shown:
{"hour": 4, "minute": 25}
